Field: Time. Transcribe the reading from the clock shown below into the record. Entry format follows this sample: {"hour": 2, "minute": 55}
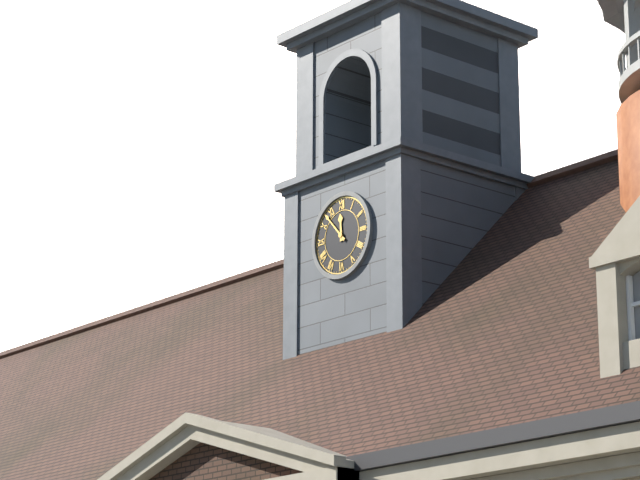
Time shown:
{"hour": 11, "minute": 53}
